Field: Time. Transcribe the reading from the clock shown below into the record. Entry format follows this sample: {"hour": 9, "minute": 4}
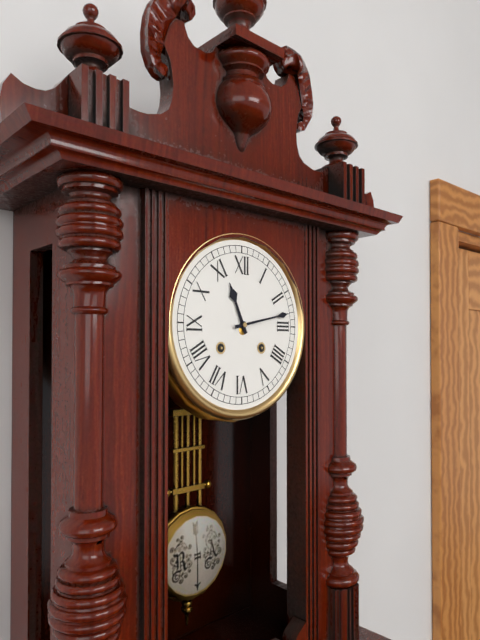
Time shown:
{"hour": 11, "minute": 13}
